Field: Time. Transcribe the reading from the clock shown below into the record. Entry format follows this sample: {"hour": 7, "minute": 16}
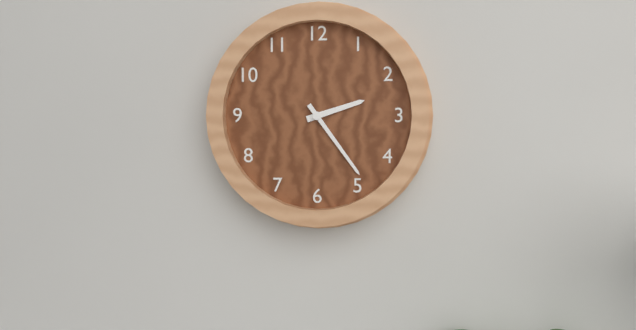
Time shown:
{"hour": 2, "minute": 24}
